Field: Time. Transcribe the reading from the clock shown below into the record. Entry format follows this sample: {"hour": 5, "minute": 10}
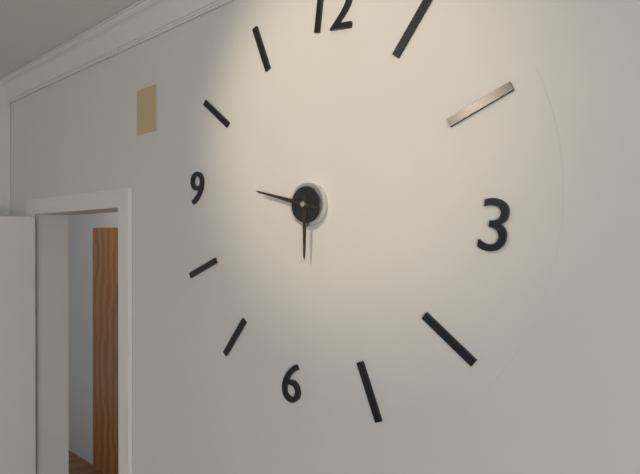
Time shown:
{"hour": 5, "minute": 46}
